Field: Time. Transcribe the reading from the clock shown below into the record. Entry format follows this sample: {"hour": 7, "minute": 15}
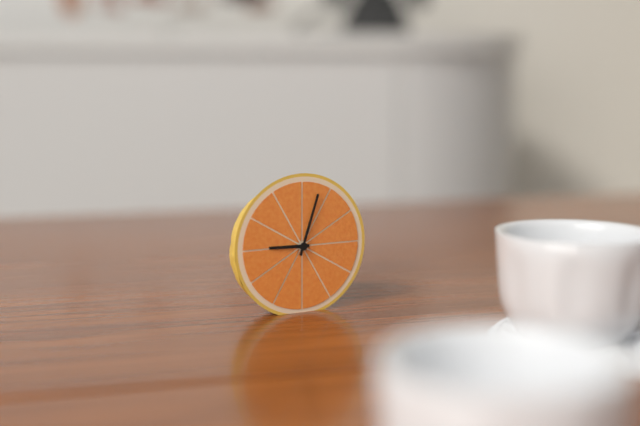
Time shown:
{"hour": 9, "minute": 3}
